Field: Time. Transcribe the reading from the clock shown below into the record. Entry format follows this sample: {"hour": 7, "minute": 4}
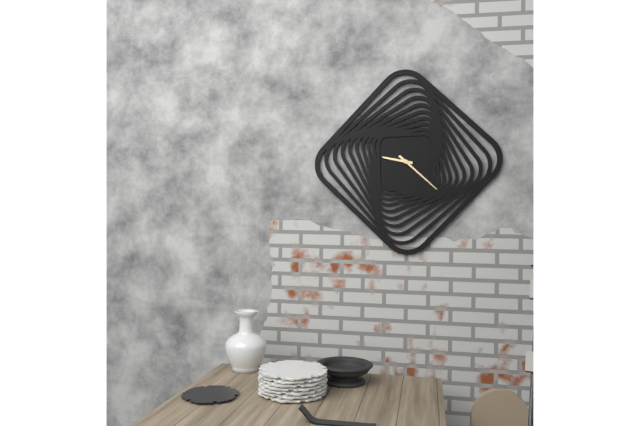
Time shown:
{"hour": 9, "minute": 22}
